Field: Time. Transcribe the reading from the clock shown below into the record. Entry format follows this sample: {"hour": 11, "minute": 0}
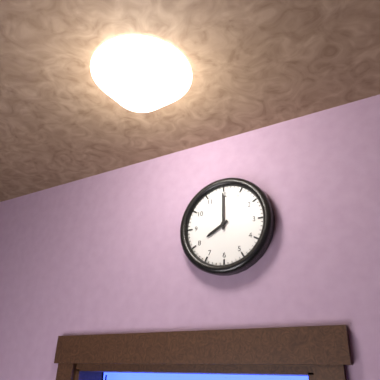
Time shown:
{"hour": 8, "minute": 0}
